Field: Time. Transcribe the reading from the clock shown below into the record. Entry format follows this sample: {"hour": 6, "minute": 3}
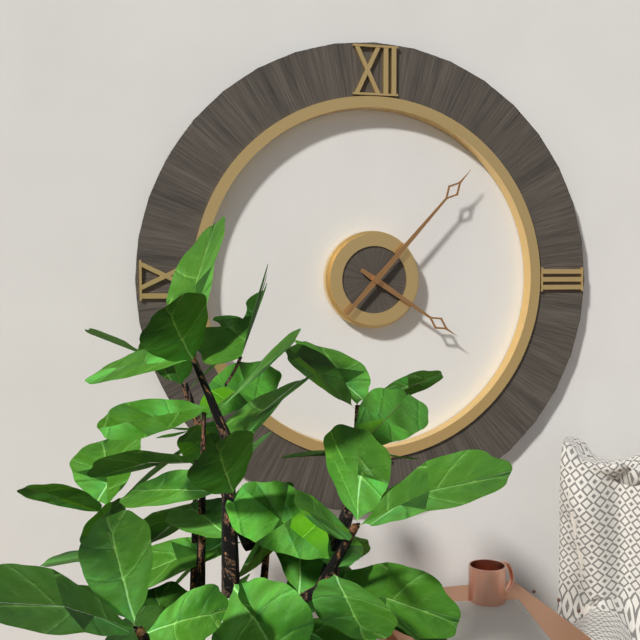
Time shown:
{"hour": 4, "minute": 7}
